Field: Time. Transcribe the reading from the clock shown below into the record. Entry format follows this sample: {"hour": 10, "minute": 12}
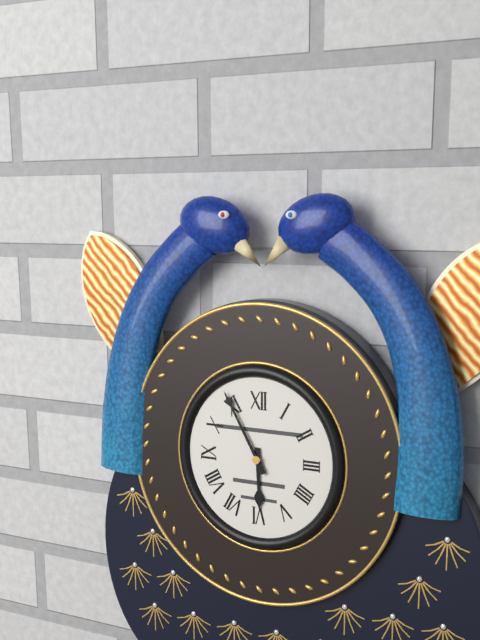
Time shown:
{"hour": 5, "minute": 55}
